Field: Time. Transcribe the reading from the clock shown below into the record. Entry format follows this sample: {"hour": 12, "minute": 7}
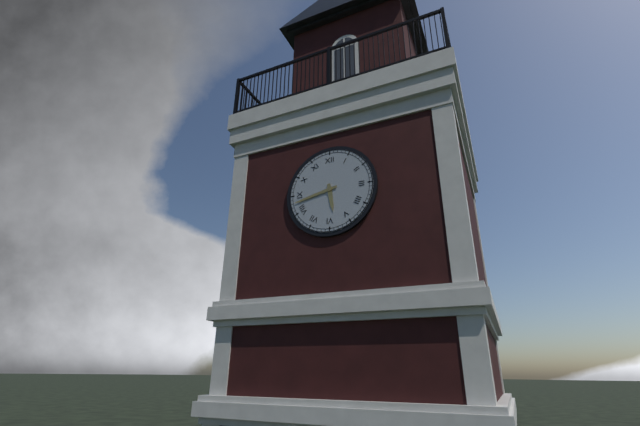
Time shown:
{"hour": 5, "minute": 43}
